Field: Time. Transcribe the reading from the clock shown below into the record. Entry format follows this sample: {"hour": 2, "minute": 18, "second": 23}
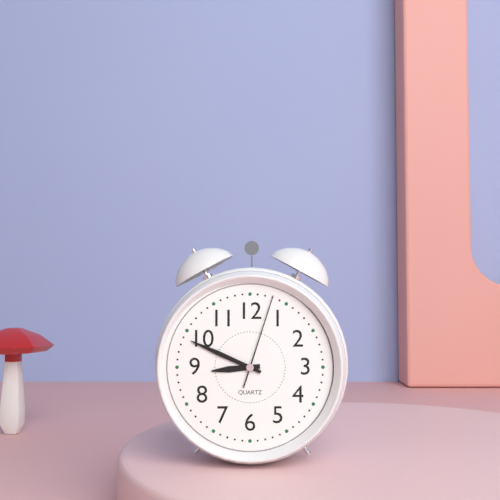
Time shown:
{"hour": 8, "minute": 49, "second": 3}
